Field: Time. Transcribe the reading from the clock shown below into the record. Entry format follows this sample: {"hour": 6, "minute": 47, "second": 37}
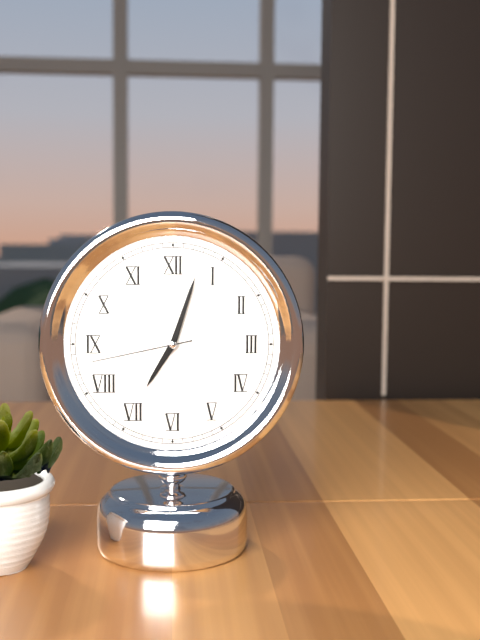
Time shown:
{"hour": 7, "minute": 3, "second": 43}
